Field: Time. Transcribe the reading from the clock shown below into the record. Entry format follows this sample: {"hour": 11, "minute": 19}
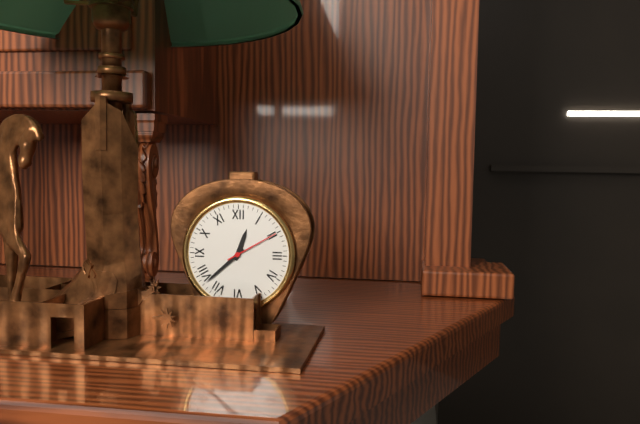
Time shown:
{"hour": 12, "minute": 38}
